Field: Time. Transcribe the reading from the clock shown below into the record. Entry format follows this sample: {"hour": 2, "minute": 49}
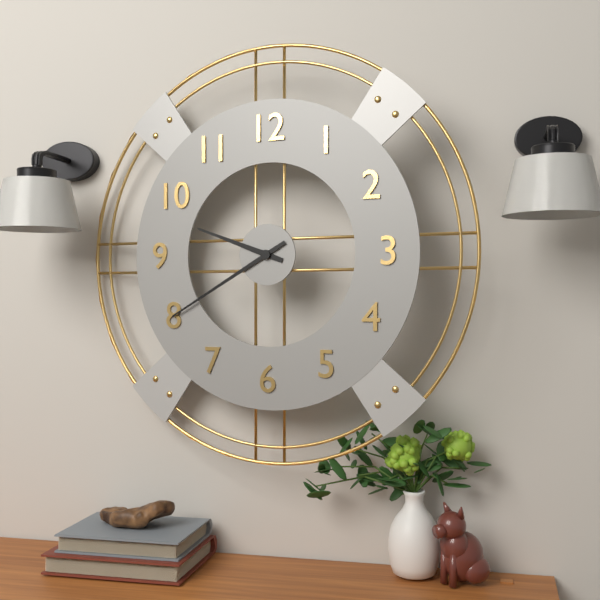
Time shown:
{"hour": 9, "minute": 40}
